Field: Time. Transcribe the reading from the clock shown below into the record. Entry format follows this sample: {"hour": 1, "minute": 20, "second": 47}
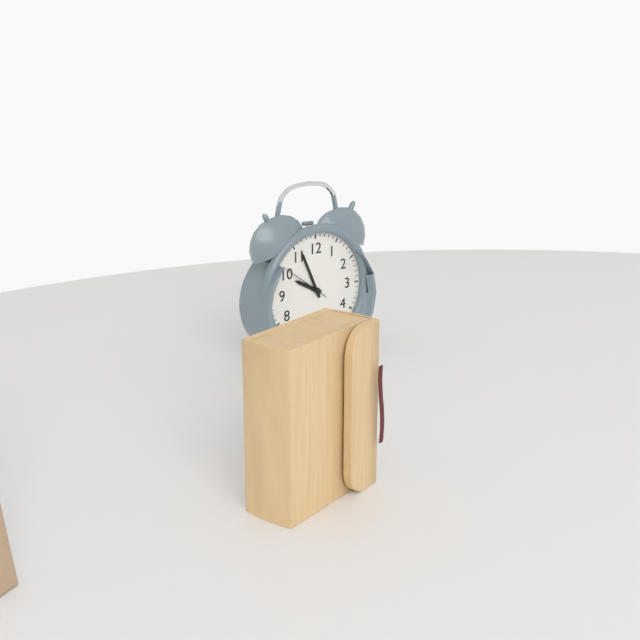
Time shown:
{"hour": 9, "minute": 56, "second": 51}
